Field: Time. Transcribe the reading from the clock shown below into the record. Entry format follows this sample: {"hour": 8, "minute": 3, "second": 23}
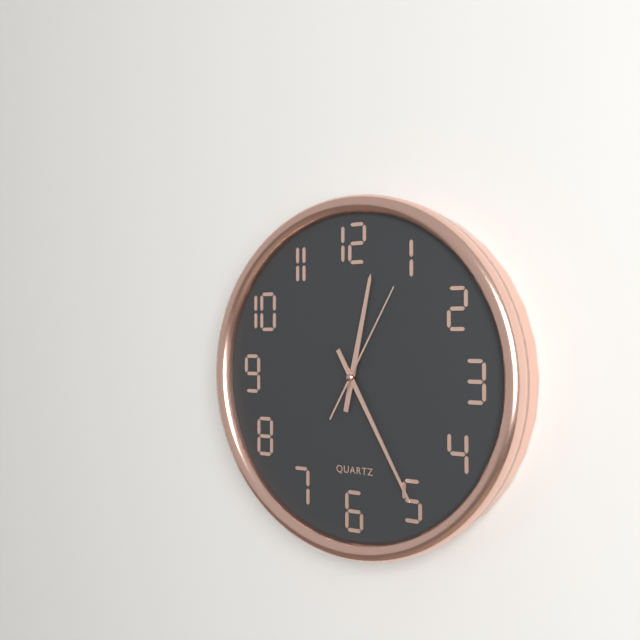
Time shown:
{"hour": 12, "minute": 25, "second": 5}
